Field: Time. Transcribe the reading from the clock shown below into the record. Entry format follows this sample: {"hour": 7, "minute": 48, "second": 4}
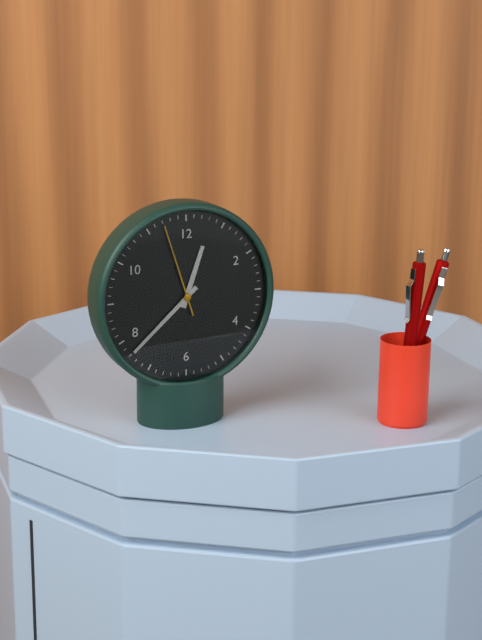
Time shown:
{"hour": 12, "minute": 38, "second": 57}
